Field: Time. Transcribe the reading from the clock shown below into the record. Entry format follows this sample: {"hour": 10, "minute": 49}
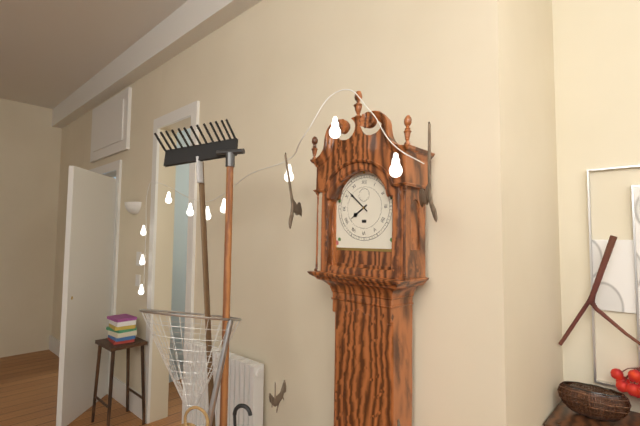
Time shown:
{"hour": 7, "minute": 52}
